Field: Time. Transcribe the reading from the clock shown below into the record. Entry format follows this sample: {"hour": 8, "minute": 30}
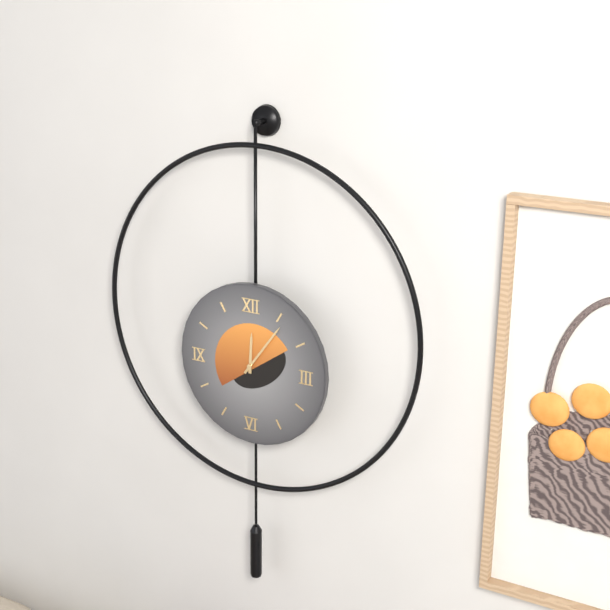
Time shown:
{"hour": 12, "minute": 6}
